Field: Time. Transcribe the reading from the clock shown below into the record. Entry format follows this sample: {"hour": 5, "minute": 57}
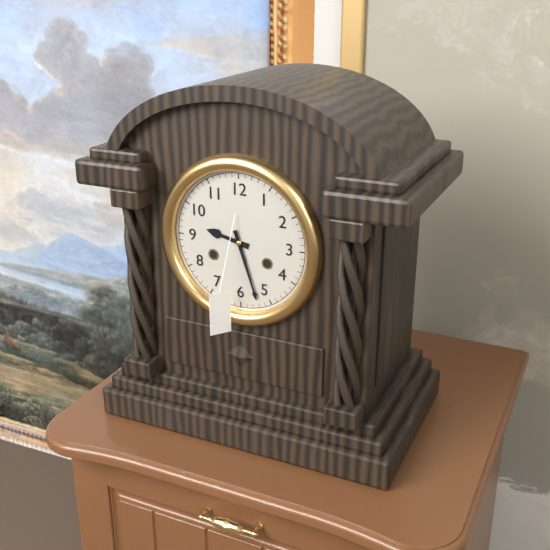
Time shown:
{"hour": 9, "minute": 27}
